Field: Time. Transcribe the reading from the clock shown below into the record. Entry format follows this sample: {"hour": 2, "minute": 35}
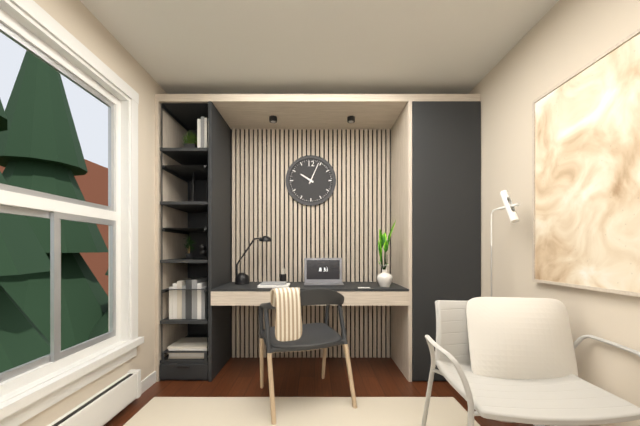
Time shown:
{"hour": 10, "minute": 4}
